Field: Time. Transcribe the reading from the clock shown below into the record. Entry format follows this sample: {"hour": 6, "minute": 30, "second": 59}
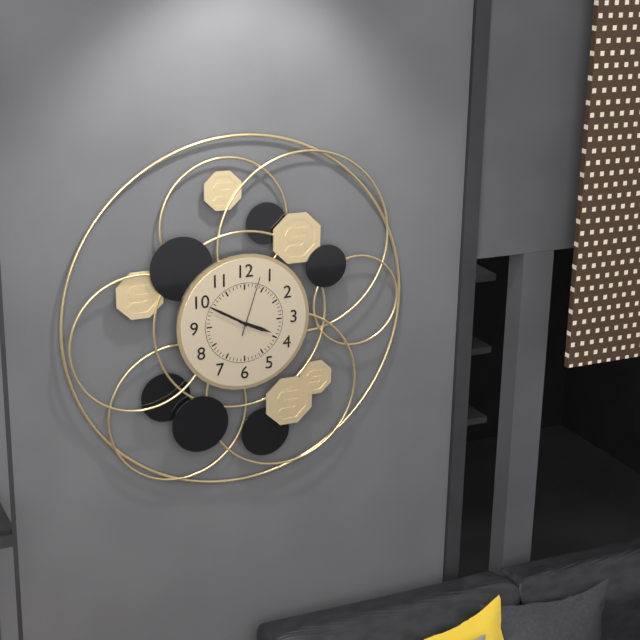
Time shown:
{"hour": 3, "minute": 50, "second": 3}
